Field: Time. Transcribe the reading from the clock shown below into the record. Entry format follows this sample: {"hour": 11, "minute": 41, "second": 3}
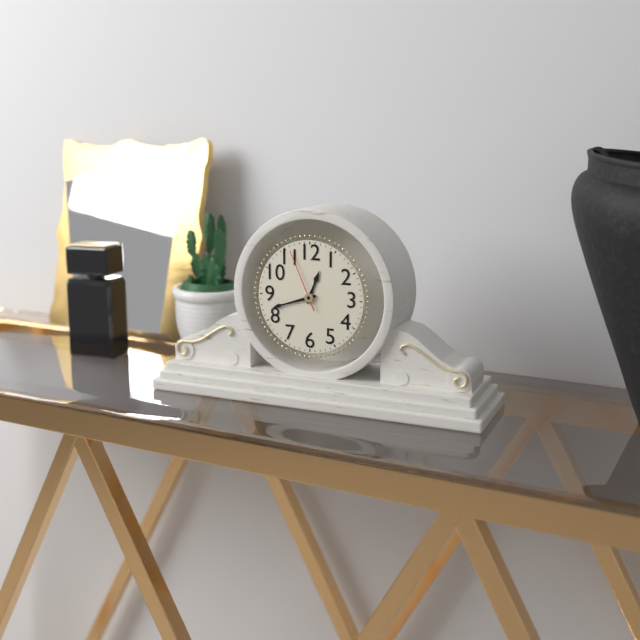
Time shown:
{"hour": 12, "minute": 42, "second": 56}
